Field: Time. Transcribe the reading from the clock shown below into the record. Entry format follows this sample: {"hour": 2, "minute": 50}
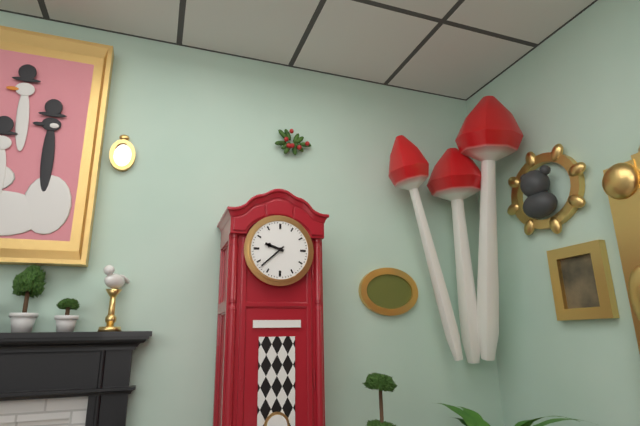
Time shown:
{"hour": 9, "minute": 38}
